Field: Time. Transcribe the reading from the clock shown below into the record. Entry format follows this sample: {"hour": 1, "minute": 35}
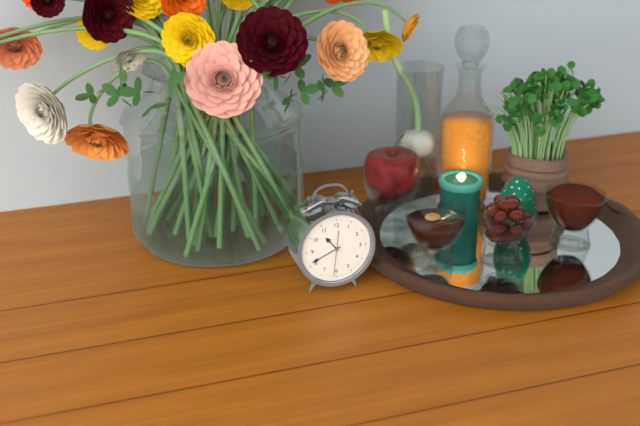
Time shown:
{"hour": 10, "minute": 41}
